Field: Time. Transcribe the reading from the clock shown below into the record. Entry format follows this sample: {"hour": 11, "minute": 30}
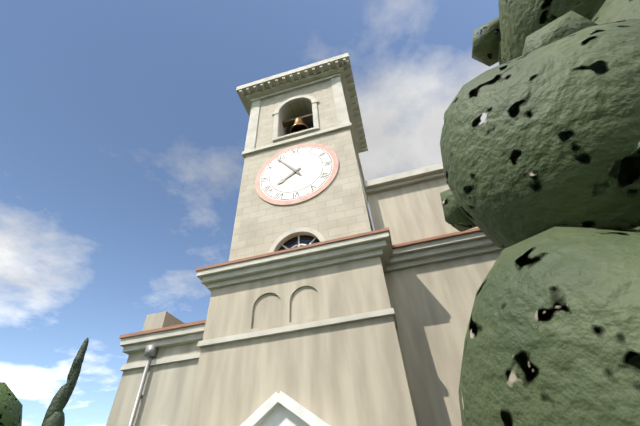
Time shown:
{"hour": 7, "minute": 54}
